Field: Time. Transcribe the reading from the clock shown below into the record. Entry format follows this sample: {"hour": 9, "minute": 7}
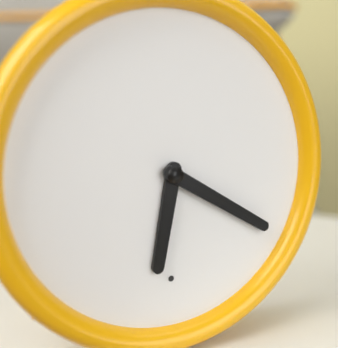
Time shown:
{"hour": 6, "minute": 20}
